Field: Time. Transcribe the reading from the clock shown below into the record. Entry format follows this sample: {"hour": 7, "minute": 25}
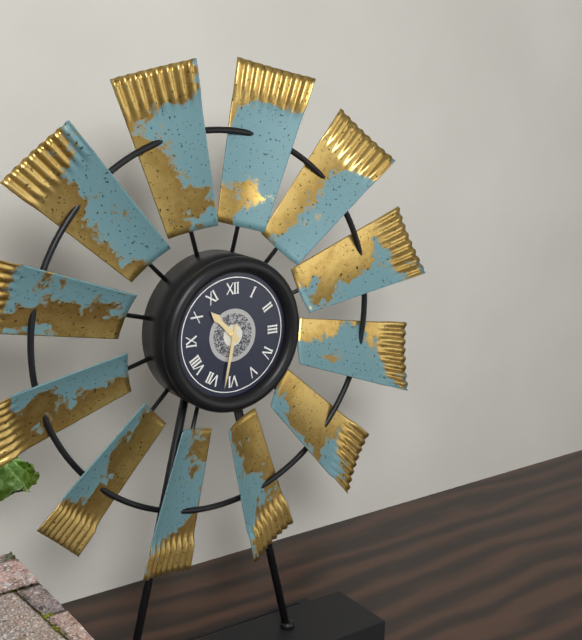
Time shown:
{"hour": 10, "minute": 32}
